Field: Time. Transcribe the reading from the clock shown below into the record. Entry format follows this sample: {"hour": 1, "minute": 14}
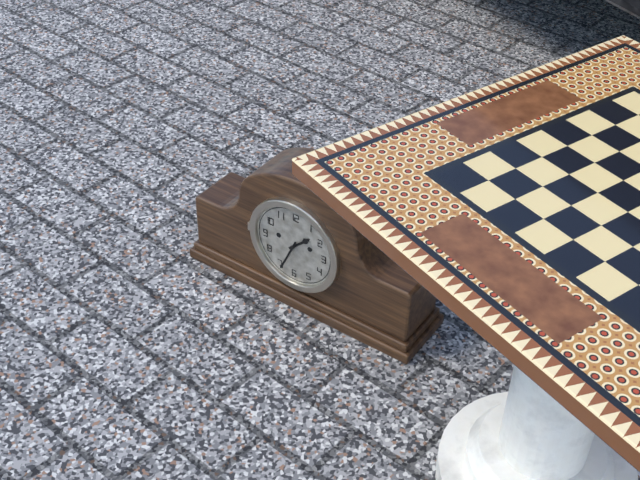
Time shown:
{"hour": 1, "minute": 34}
